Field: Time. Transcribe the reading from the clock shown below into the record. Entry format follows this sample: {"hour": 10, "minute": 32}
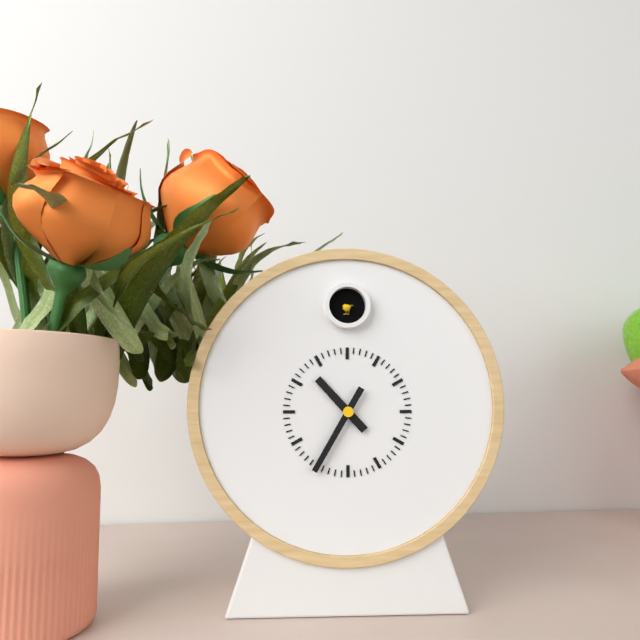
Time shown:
{"hour": 10, "minute": 35}
